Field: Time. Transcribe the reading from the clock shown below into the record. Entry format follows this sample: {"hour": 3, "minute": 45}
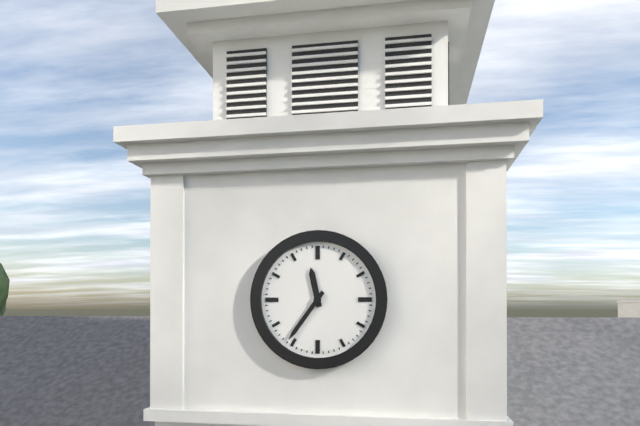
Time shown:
{"hour": 11, "minute": 36}
